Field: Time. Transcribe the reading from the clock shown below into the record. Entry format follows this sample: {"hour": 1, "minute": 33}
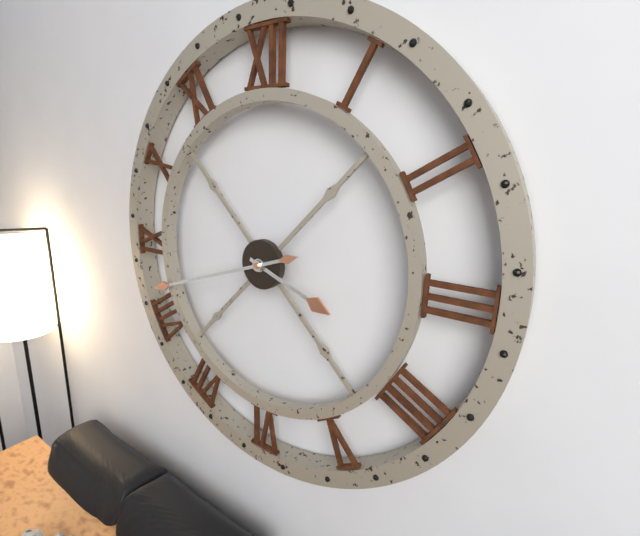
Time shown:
{"hour": 3, "minute": 42}
